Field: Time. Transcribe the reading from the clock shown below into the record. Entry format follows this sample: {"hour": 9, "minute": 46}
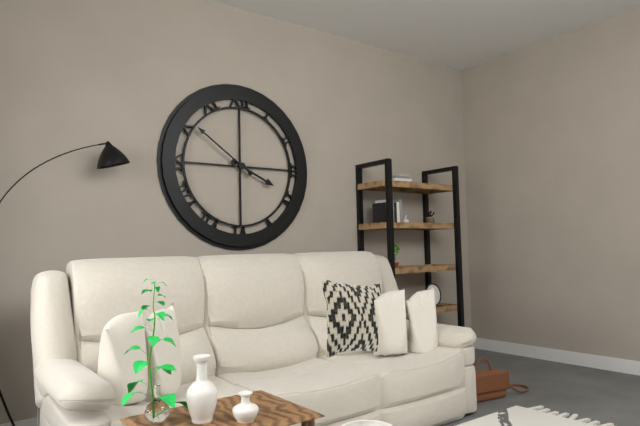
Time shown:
{"hour": 3, "minute": 51}
